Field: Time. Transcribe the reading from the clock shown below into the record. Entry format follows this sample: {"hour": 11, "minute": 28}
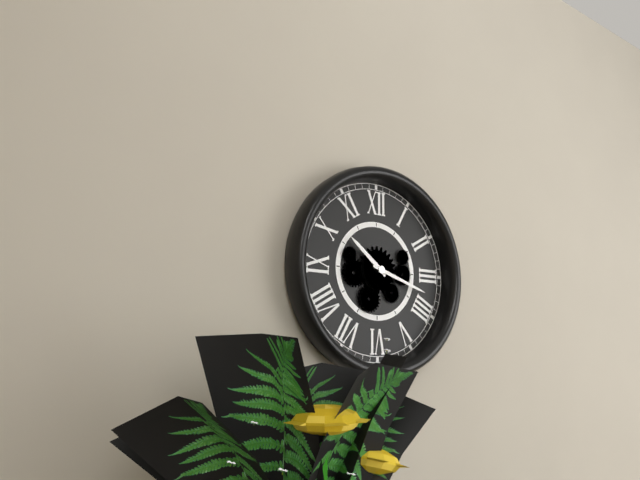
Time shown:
{"hour": 10, "minute": 18}
